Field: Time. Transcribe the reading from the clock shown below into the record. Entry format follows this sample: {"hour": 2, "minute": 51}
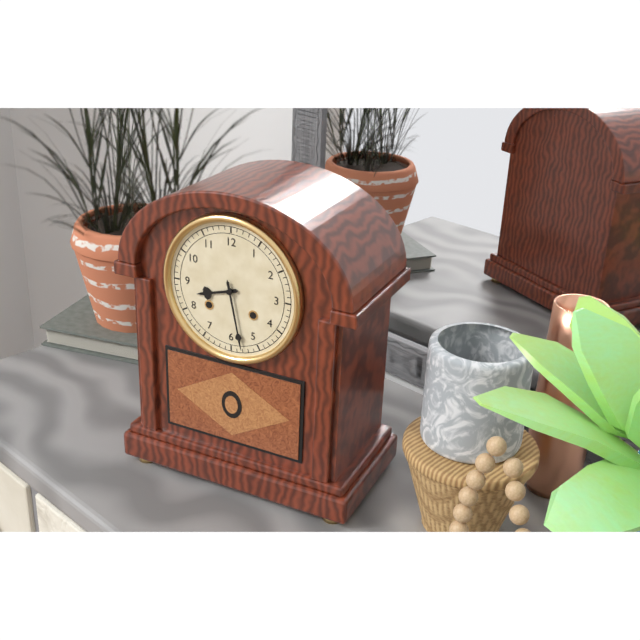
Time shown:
{"hour": 8, "minute": 28}
